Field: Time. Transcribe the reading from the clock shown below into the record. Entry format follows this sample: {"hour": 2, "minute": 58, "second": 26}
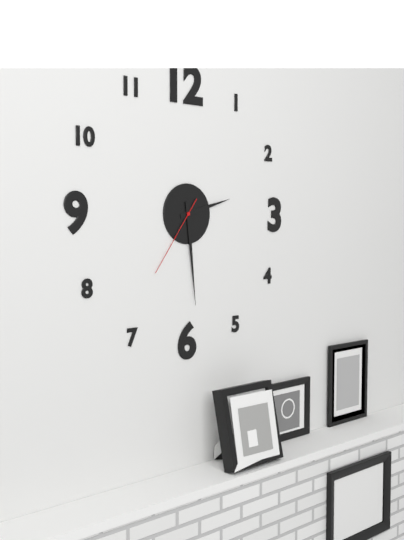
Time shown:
{"hour": 2, "minute": 29, "second": 36}
